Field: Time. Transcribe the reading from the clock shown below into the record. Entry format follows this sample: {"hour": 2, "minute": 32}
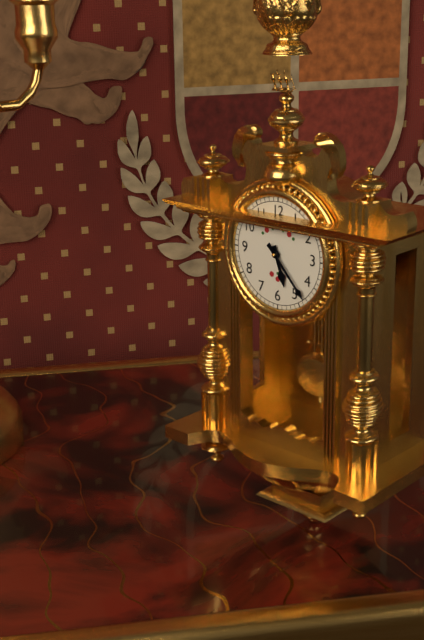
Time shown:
{"hour": 5, "minute": 23}
